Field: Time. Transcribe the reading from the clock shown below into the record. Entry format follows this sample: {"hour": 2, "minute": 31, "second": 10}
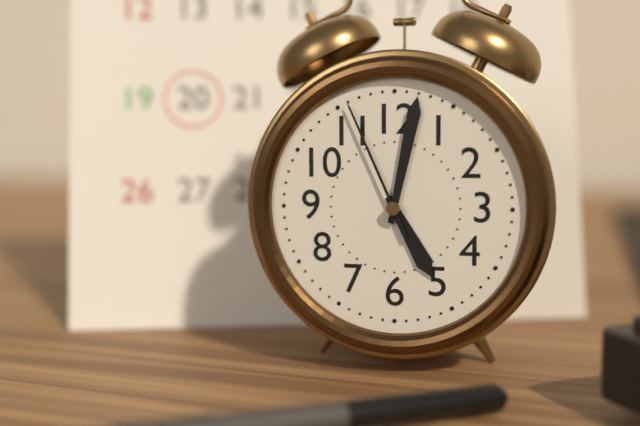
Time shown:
{"hour": 5, "minute": 2, "second": 56}
